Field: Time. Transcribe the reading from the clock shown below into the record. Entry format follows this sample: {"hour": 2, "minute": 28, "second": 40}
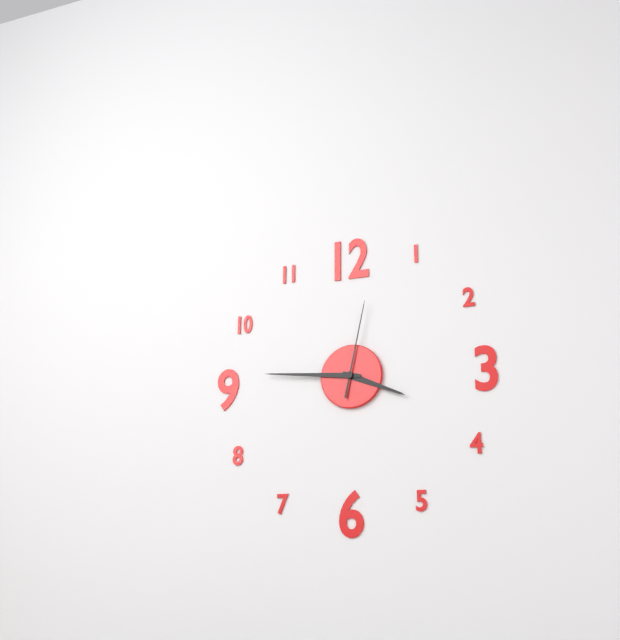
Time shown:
{"hour": 3, "minute": 46, "second": 2}
